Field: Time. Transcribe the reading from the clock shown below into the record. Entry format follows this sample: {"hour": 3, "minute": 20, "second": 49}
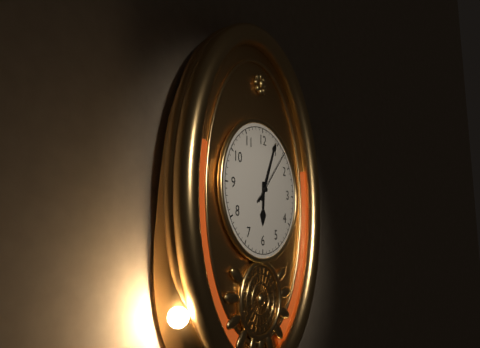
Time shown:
{"hour": 6, "minute": 4, "second": 7}
